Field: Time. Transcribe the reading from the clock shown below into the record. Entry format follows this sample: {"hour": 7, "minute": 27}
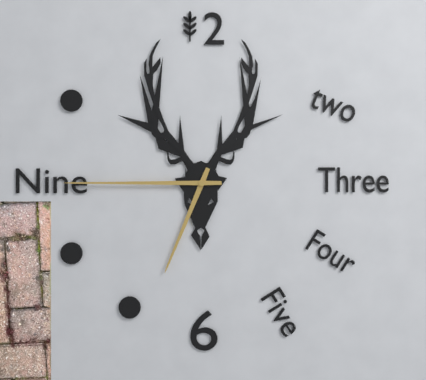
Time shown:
{"hour": 6, "minute": 45}
